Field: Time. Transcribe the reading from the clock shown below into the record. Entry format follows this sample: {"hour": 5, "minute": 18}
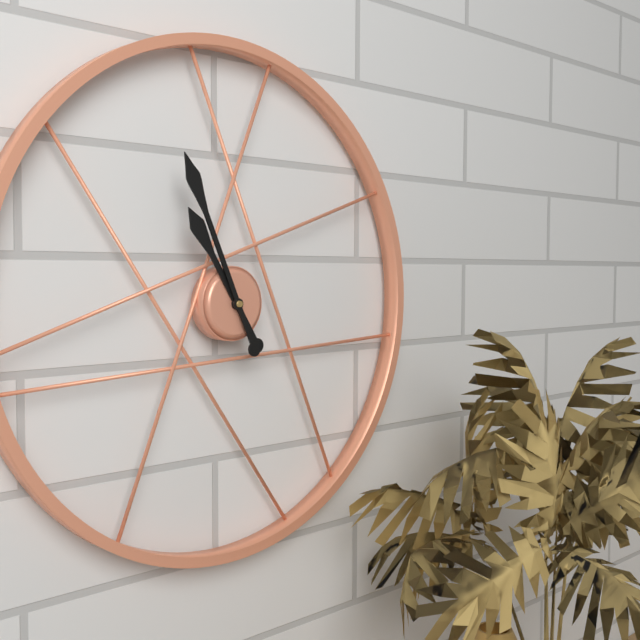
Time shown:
{"hour": 10, "minute": 56}
